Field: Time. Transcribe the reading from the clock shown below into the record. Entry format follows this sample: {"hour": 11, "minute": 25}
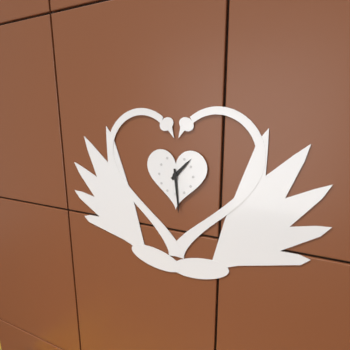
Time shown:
{"hour": 1, "minute": 29}
